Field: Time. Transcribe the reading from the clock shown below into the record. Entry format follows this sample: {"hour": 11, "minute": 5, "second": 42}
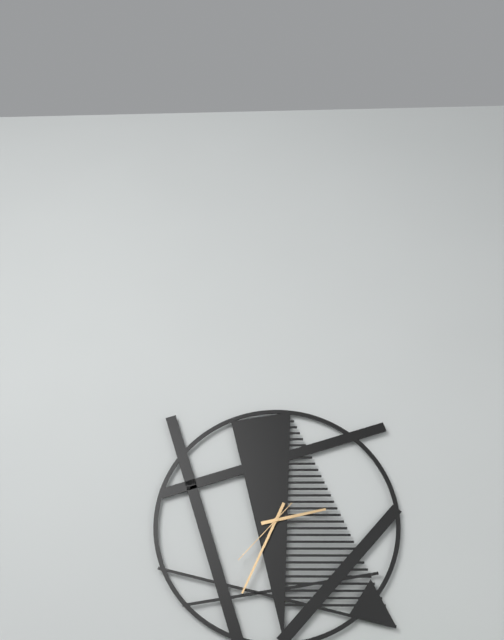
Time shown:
{"hour": 2, "minute": 34, "second": 37}
